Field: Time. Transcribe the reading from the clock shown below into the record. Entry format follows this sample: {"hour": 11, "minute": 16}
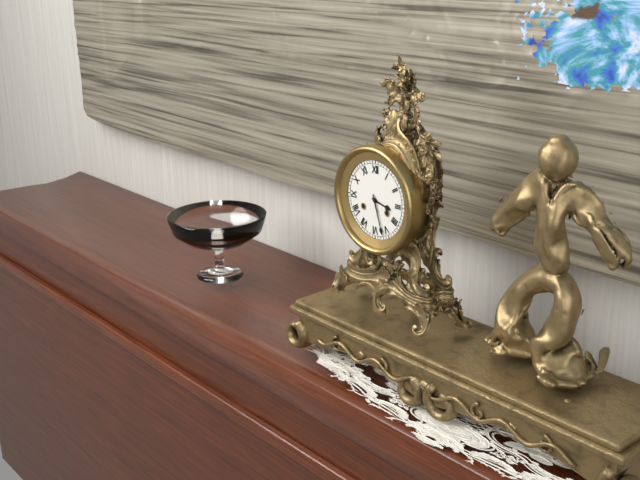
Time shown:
{"hour": 3, "minute": 27}
